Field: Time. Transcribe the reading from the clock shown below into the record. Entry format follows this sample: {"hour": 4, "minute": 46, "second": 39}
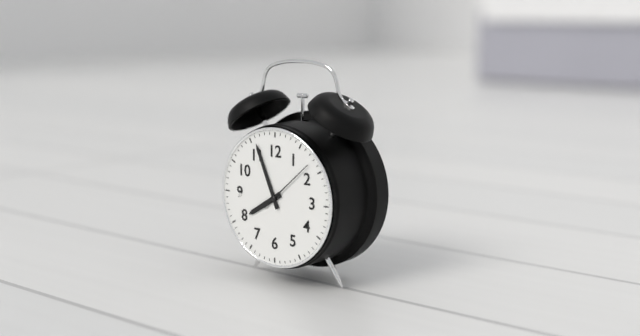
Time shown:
{"hour": 7, "minute": 56, "second": 8}
